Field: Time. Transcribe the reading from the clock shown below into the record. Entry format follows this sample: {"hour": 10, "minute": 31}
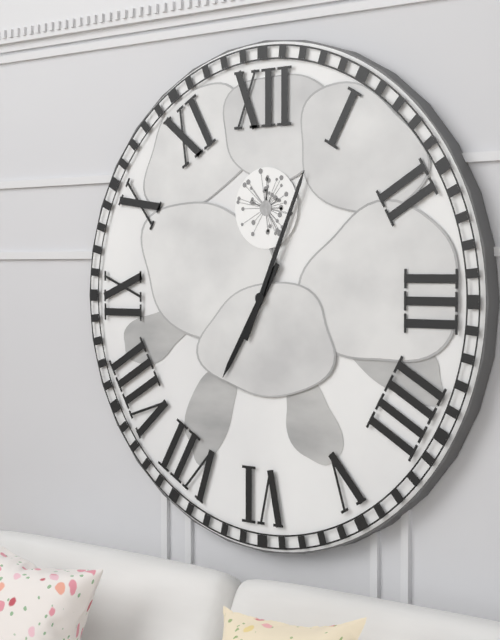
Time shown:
{"hour": 7, "minute": 4}
